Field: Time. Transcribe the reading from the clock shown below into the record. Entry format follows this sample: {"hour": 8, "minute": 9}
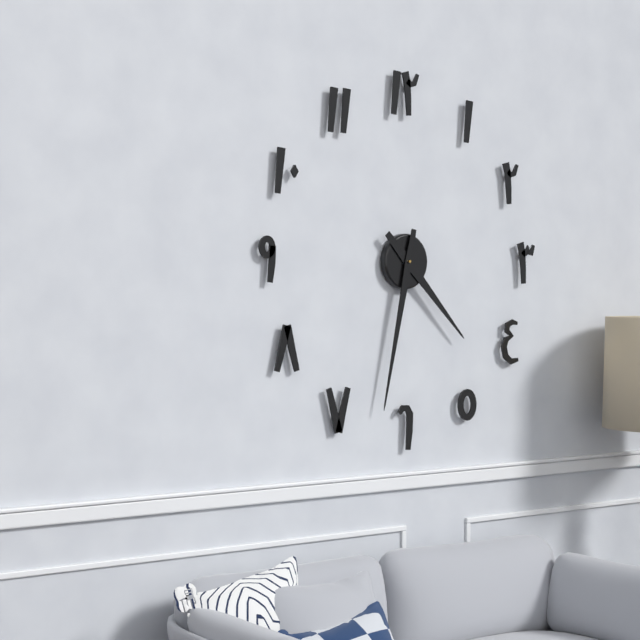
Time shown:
{"hour": 4, "minute": 32}
